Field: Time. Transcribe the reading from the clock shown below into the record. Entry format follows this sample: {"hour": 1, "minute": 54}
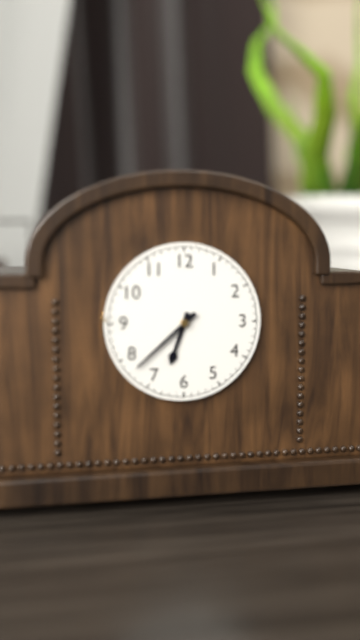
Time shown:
{"hour": 6, "minute": 38}
